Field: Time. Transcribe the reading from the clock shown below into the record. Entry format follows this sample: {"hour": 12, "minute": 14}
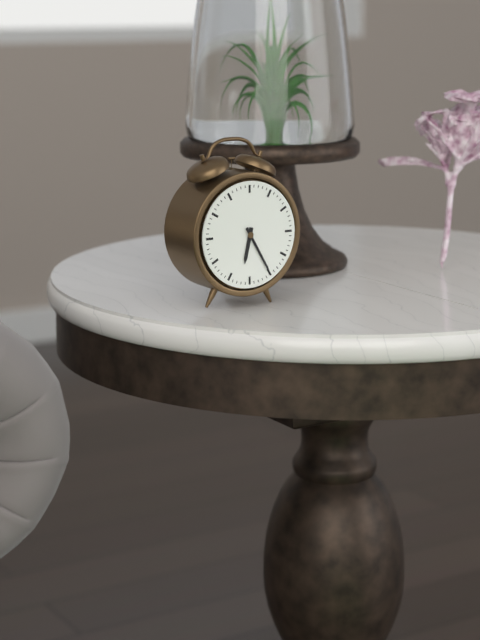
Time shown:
{"hour": 6, "minute": 25}
